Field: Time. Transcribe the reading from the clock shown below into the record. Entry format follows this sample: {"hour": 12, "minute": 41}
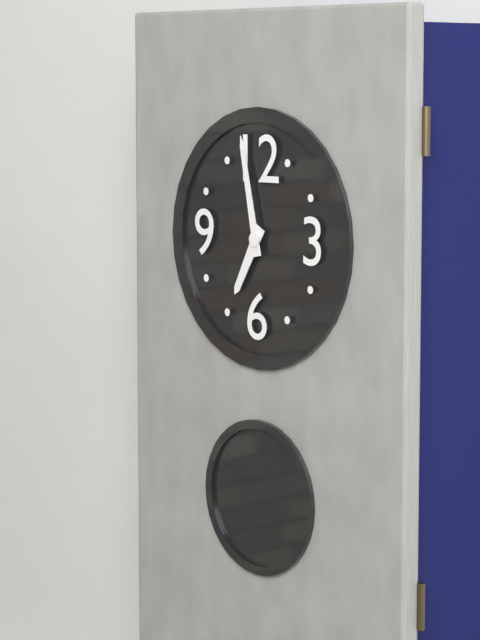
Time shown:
{"hour": 6, "minute": 58}
